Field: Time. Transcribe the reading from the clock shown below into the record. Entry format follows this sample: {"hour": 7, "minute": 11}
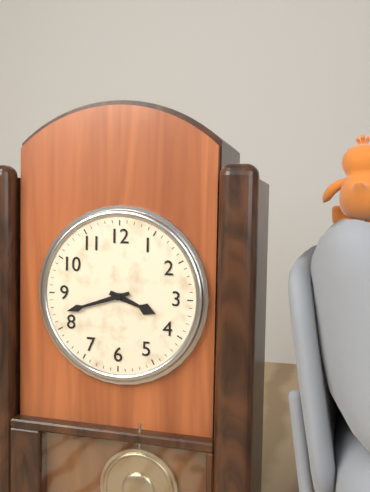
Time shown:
{"hour": 3, "minute": 42}
